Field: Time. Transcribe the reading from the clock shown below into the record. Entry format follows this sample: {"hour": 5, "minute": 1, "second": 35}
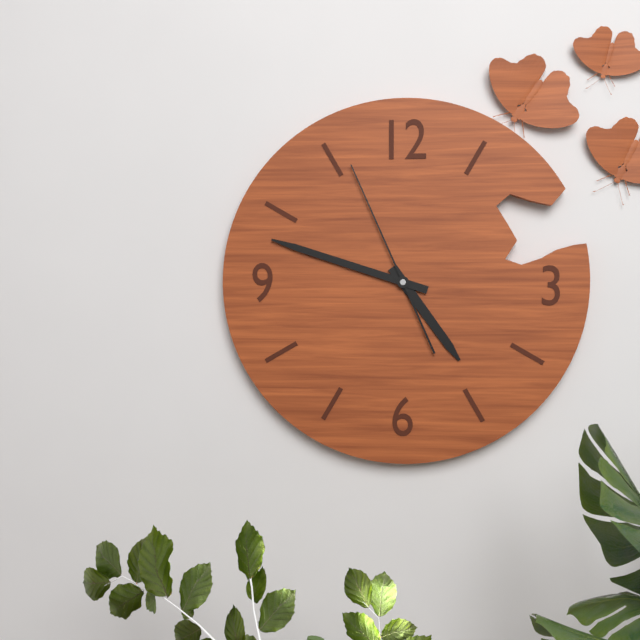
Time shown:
{"hour": 4, "minute": 48, "second": 56}
